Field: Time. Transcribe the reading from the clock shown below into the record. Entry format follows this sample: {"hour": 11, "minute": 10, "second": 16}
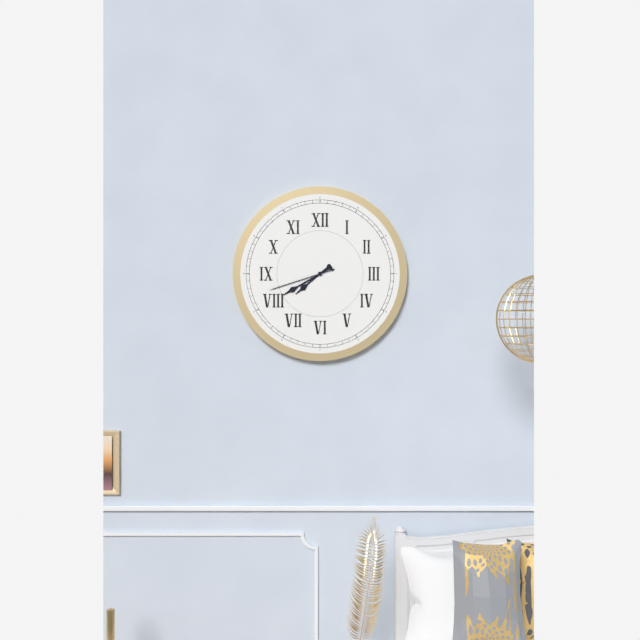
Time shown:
{"hour": 7, "minute": 40, "second": 42}
